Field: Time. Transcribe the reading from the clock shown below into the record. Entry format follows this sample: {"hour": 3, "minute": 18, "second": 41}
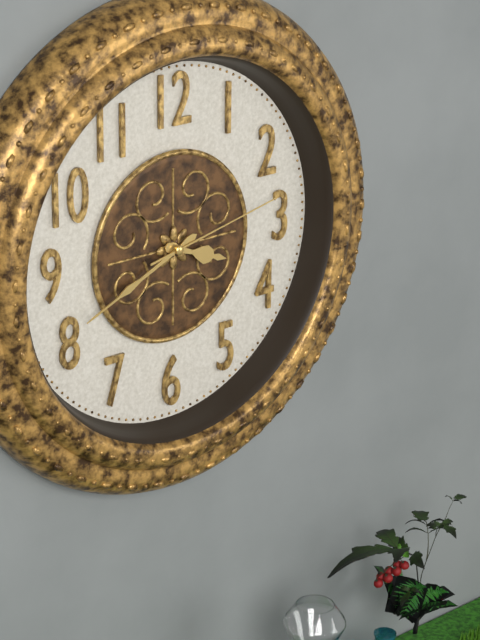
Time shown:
{"hour": 3, "minute": 41, "second": 13}
